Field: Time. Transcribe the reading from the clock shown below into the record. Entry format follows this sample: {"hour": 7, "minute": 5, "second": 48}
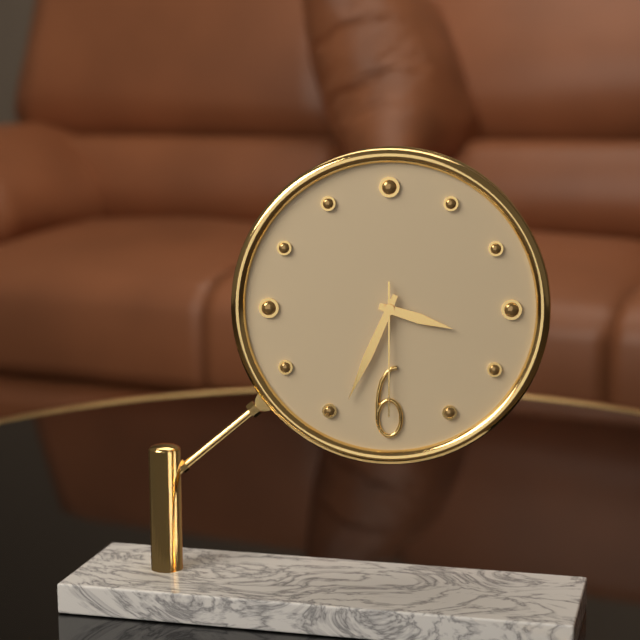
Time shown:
{"hour": 3, "minute": 34, "second": 30}
